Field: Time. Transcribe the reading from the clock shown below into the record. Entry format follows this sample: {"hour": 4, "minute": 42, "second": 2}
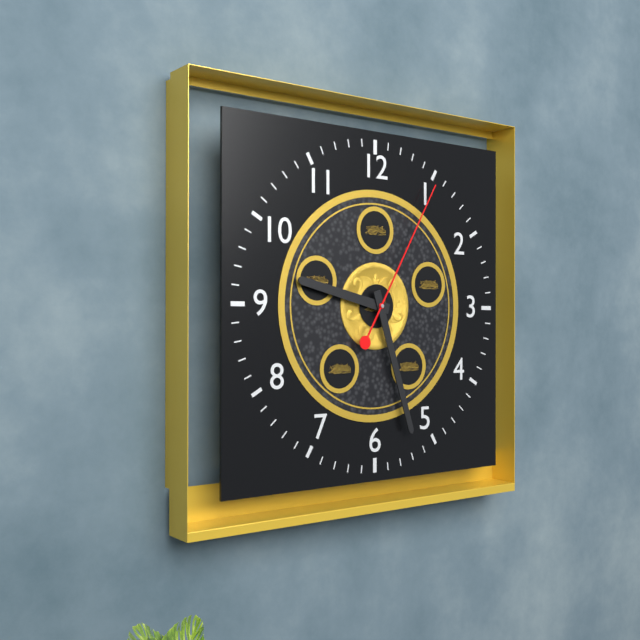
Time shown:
{"hour": 9, "minute": 27, "second": 5}
